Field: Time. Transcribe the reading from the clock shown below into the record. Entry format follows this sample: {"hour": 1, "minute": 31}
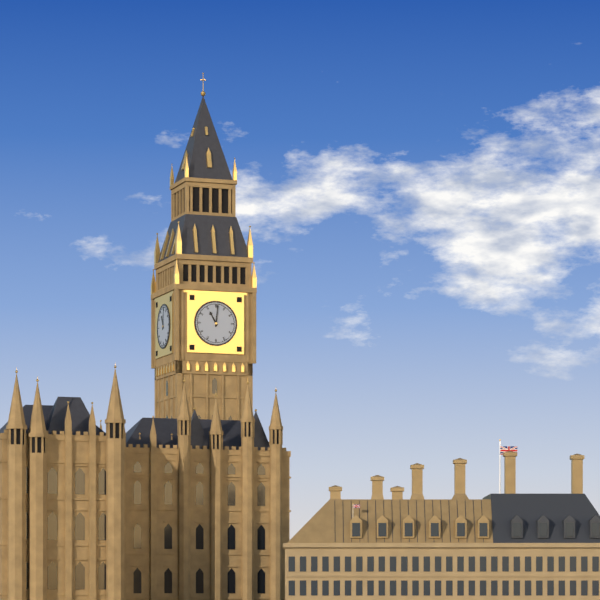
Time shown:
{"hour": 11, "minute": 1}
